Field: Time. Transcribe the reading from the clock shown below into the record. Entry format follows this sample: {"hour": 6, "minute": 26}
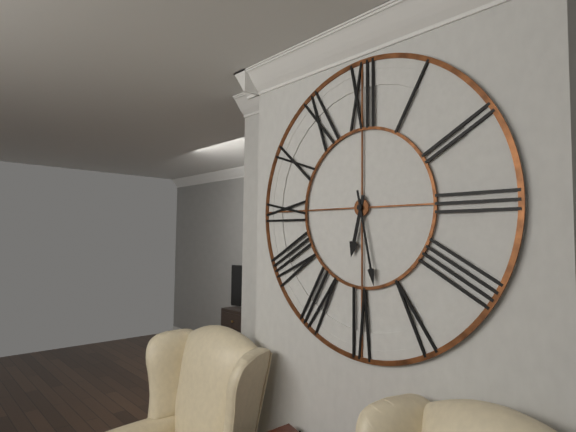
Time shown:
{"hour": 6, "minute": 28}
